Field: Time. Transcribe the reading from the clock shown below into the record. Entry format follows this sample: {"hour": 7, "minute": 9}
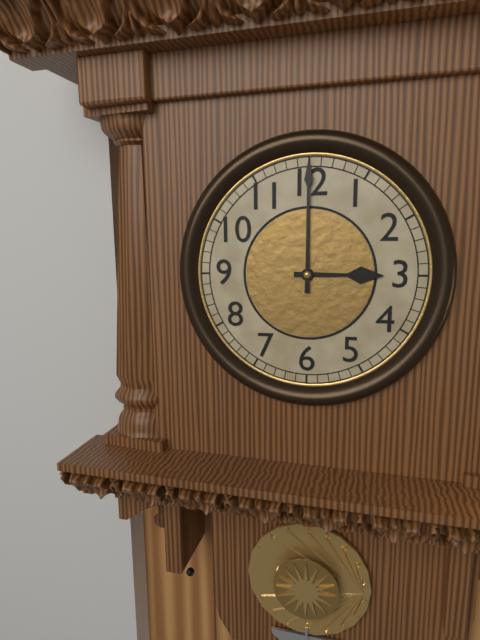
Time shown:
{"hour": 3, "minute": 0}
